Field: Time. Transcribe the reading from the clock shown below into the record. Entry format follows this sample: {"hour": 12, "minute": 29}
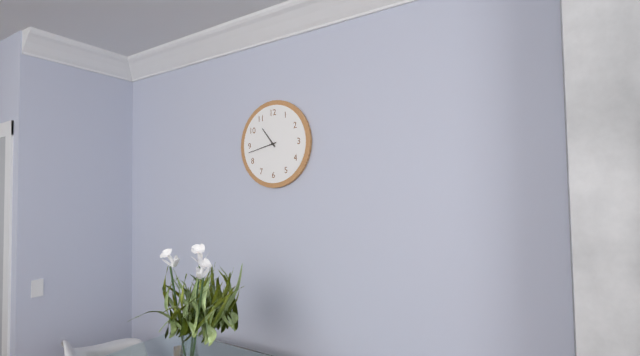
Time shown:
{"hour": 10, "minute": 43}
